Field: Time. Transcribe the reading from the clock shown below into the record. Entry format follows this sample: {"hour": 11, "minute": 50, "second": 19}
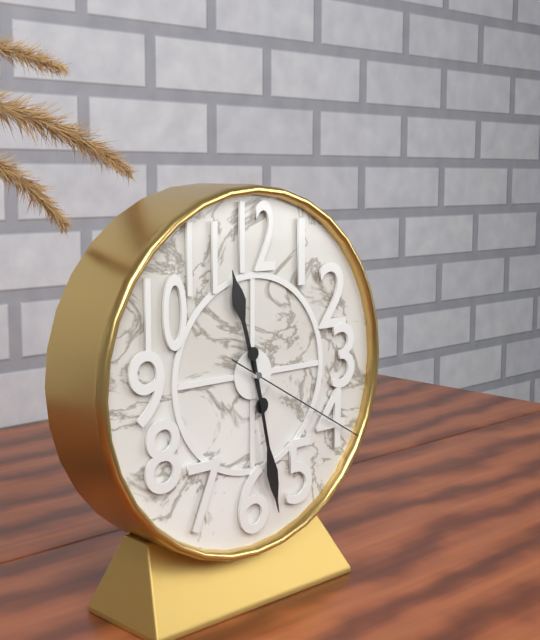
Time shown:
{"hour": 11, "minute": 28, "second": 20}
